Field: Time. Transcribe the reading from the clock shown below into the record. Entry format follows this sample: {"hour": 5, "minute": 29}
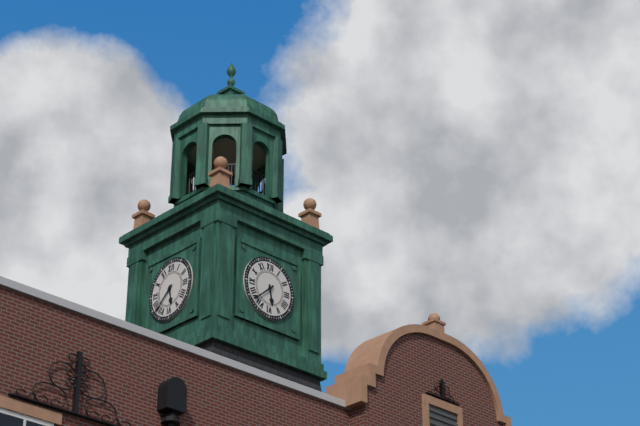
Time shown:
{"hour": 5, "minute": 38}
